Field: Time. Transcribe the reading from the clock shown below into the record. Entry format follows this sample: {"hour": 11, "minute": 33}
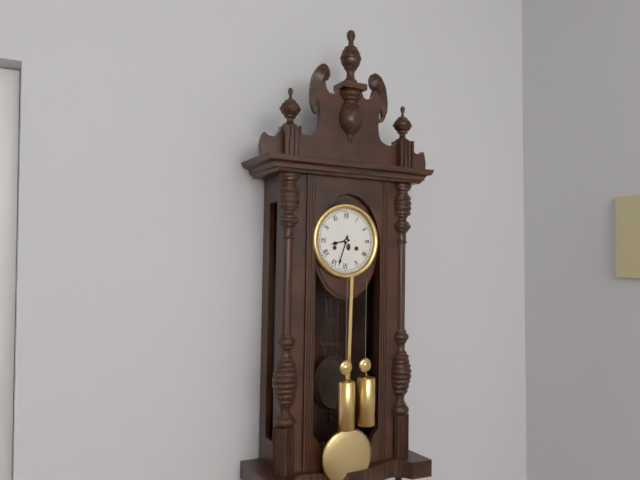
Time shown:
{"hour": 8, "minute": 33}
